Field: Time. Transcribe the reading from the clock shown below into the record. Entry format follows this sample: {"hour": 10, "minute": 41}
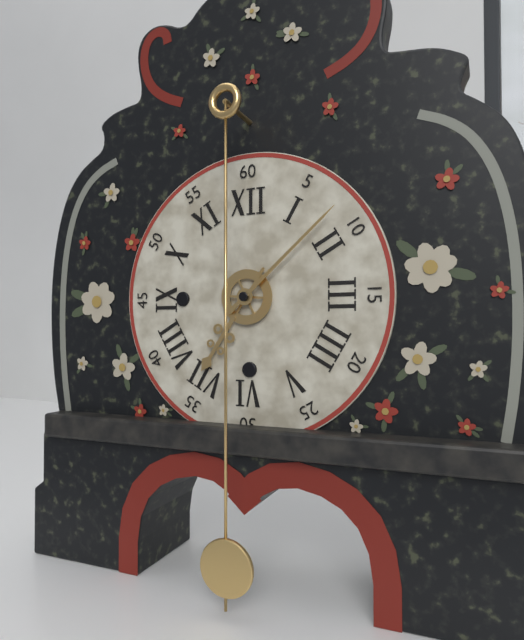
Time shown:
{"hour": 7, "minute": 8}
